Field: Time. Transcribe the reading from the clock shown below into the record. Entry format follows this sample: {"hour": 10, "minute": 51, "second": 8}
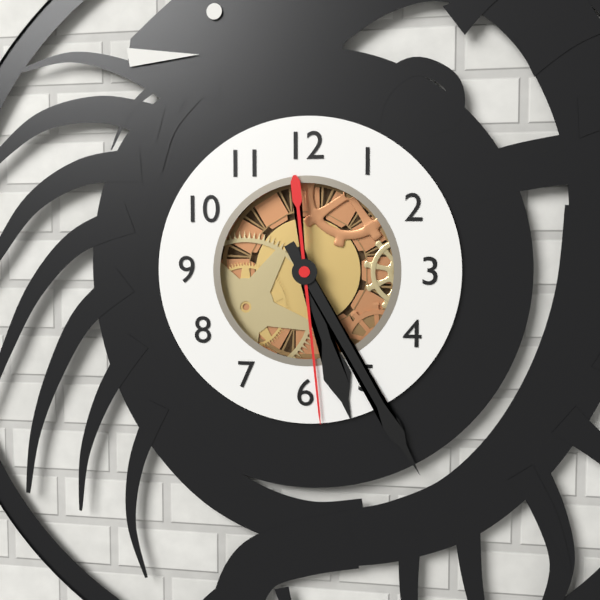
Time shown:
{"hour": 5, "minute": 25, "second": 29}
